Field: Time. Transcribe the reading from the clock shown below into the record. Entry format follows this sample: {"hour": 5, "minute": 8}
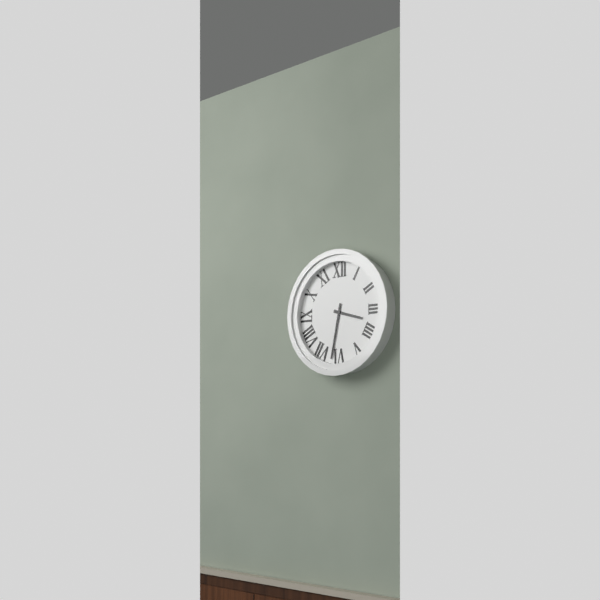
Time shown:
{"hour": 3, "minute": 32}
